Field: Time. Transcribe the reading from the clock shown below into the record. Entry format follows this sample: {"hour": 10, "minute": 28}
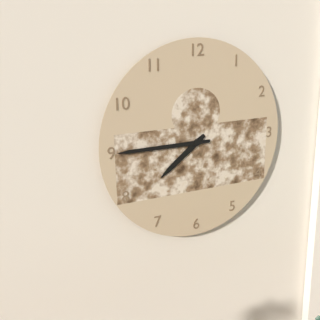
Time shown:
{"hour": 7, "minute": 45}
